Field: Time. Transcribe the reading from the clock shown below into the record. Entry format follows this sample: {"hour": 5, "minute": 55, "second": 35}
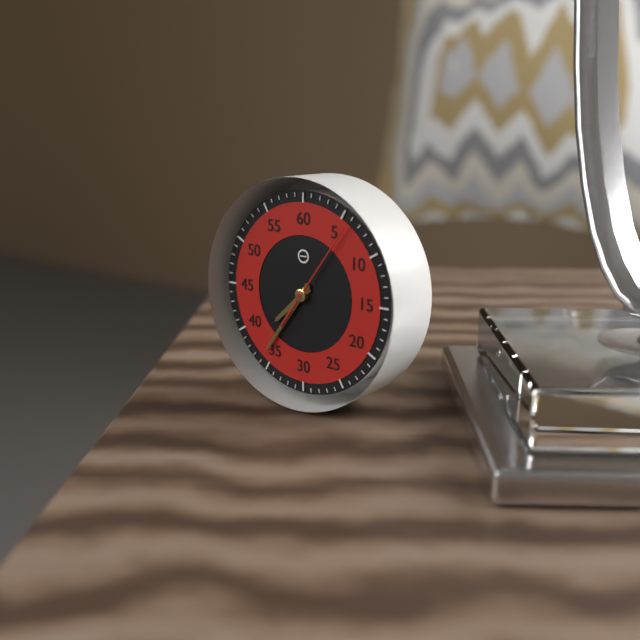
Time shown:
{"hour": 7, "minute": 36, "second": 6}
